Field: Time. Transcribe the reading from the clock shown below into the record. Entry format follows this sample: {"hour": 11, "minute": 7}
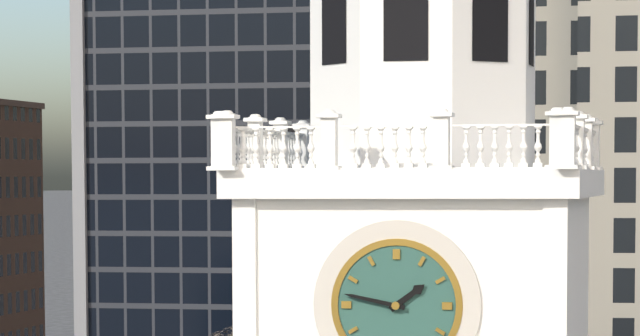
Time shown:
{"hour": 1, "minute": 47}
